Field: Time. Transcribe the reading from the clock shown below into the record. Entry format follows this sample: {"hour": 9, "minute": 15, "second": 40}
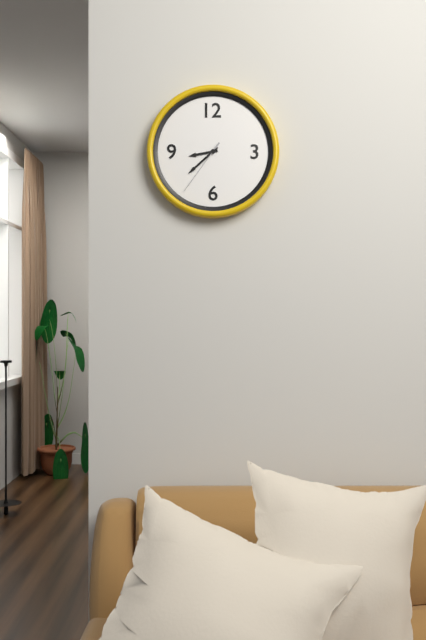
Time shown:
{"hour": 8, "minute": 38, "second": 36}
